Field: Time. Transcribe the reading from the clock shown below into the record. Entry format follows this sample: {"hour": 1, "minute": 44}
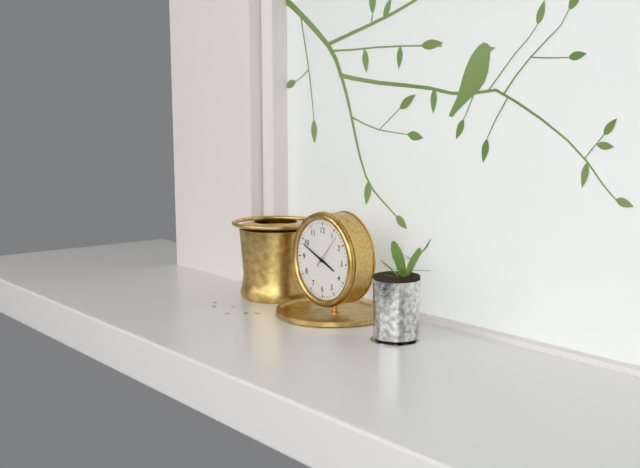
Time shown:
{"hour": 3, "minute": 49}
